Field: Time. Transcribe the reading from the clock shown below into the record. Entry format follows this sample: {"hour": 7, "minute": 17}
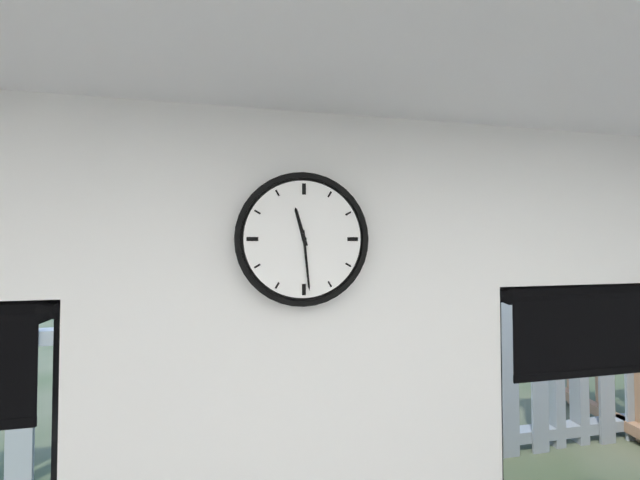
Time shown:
{"hour": 11, "minute": 29}
